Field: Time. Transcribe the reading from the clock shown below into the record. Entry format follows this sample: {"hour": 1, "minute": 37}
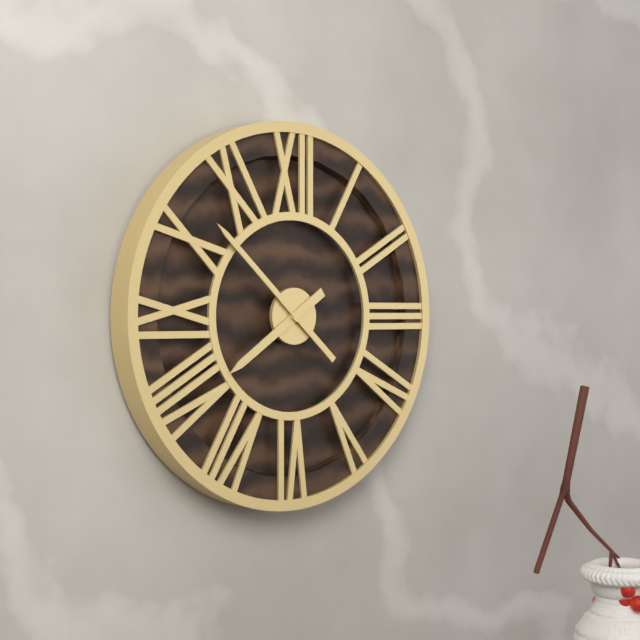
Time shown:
{"hour": 7, "minute": 52}
